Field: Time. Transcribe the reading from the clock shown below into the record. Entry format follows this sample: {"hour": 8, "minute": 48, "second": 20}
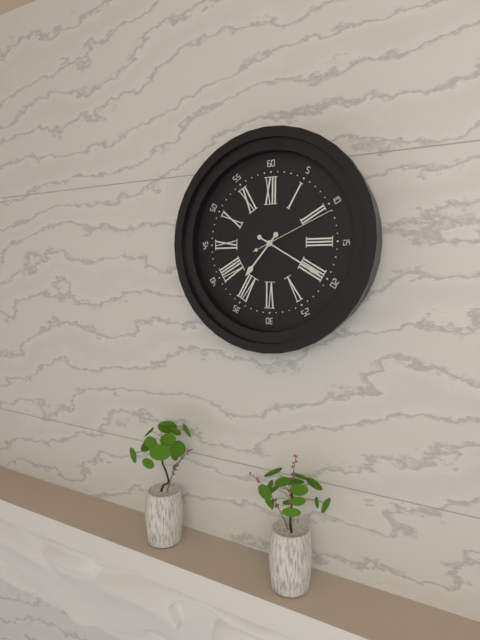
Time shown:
{"hour": 7, "minute": 20, "second": 11}
